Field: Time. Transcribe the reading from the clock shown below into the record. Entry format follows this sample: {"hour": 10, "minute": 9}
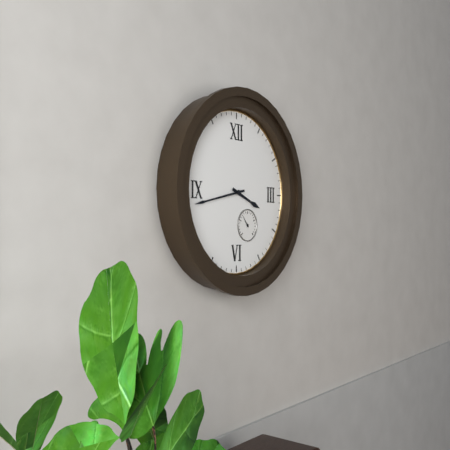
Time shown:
{"hour": 3, "minute": 43}
